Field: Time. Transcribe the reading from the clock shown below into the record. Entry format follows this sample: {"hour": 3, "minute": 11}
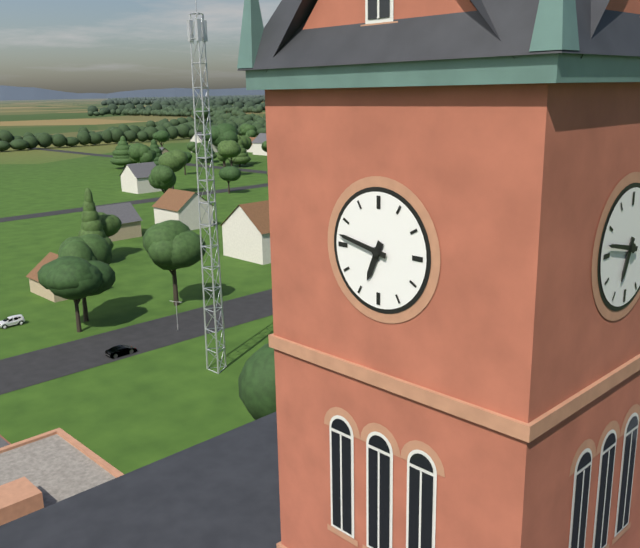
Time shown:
{"hour": 6, "minute": 47}
